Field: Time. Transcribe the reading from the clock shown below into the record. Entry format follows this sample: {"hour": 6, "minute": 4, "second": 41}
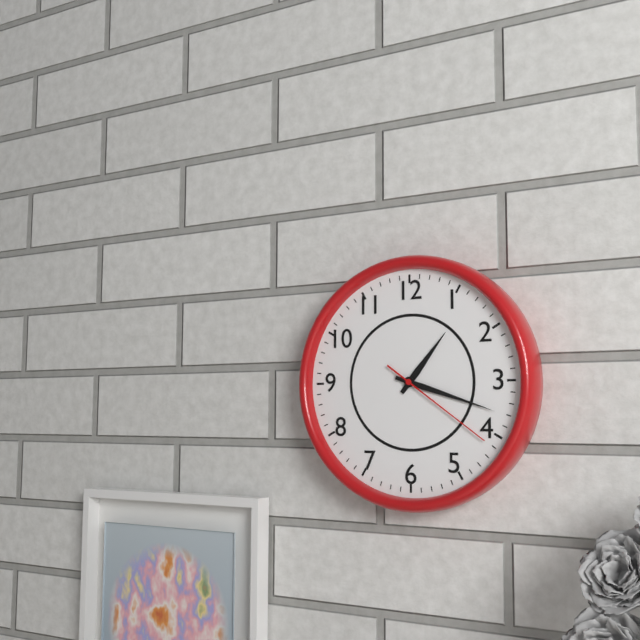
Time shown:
{"hour": 1, "minute": 18, "second": 21}
